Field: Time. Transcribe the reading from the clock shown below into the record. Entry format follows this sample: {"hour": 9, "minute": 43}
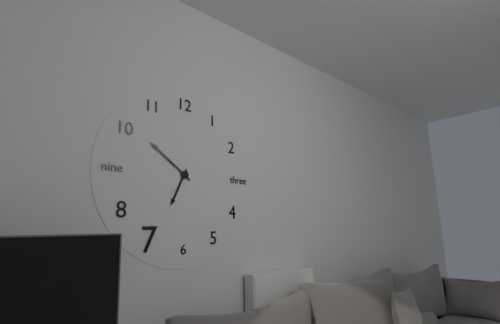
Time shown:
{"hour": 6, "minute": 51}
